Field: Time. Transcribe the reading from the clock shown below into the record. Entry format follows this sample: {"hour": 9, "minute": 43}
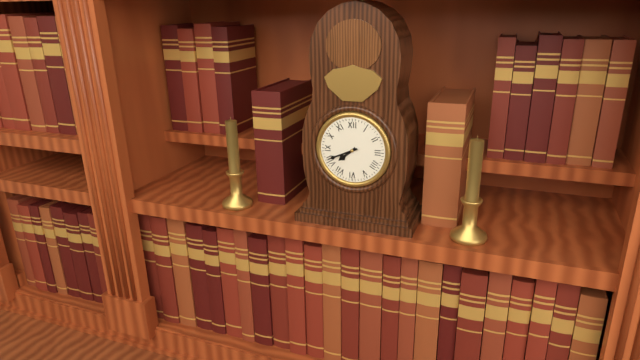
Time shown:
{"hour": 7, "minute": 41}
